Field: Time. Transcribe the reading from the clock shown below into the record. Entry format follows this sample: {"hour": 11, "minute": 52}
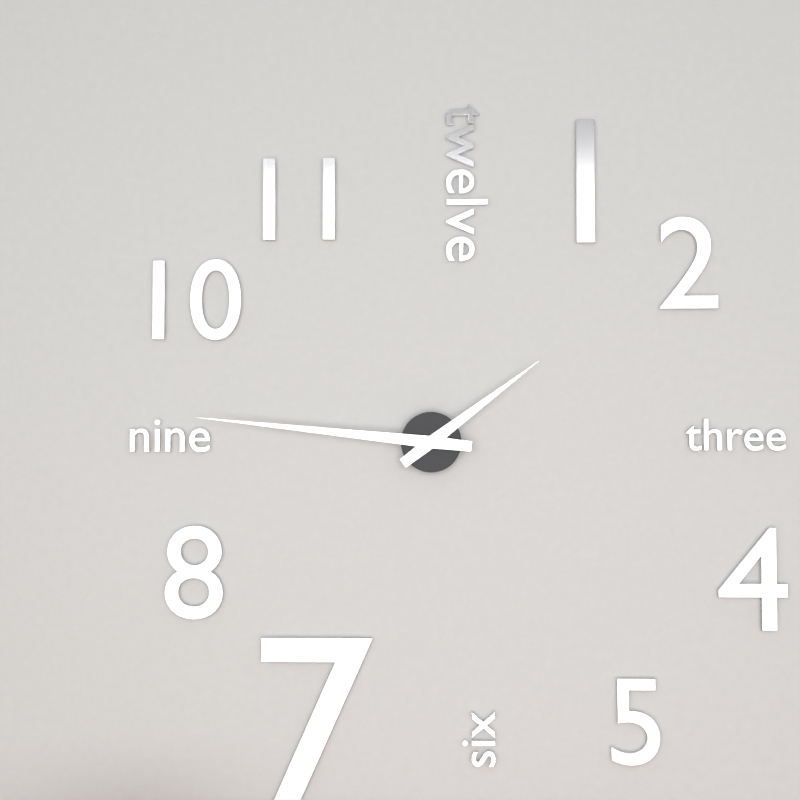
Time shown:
{"hour": 1, "minute": 46}
